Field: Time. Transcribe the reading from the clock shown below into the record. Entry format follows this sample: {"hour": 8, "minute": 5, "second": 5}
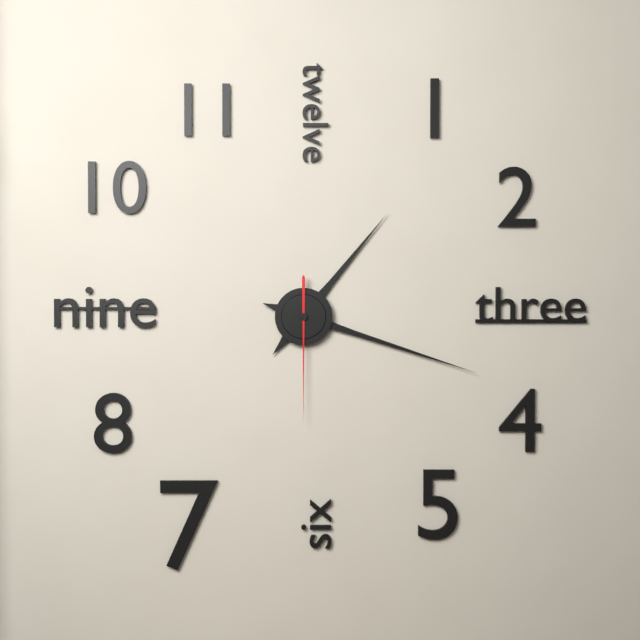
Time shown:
{"hour": 1, "minute": 18, "second": 30}
